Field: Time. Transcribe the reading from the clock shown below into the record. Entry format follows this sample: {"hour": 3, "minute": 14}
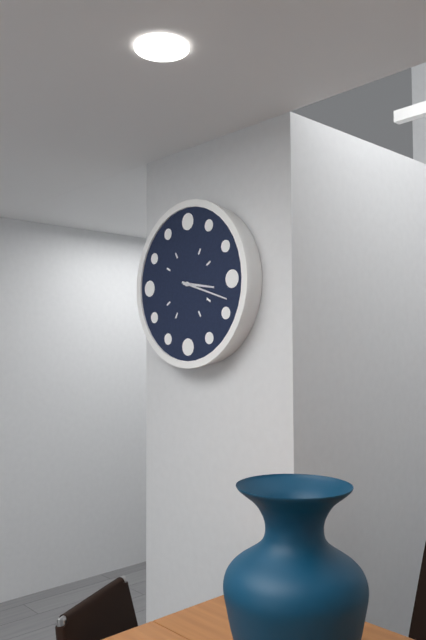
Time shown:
{"hour": 3, "minute": 18}
